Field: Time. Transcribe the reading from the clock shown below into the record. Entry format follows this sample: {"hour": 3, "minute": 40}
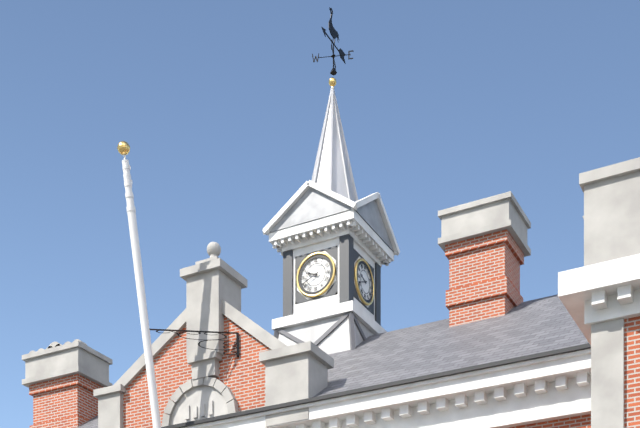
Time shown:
{"hour": 9, "minute": 41}
